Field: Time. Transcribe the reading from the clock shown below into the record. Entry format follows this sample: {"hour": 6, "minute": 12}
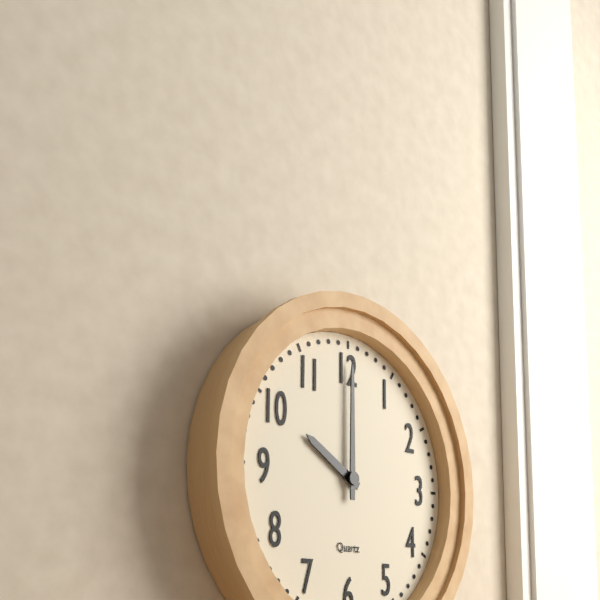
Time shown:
{"hour": 10, "minute": 0}
